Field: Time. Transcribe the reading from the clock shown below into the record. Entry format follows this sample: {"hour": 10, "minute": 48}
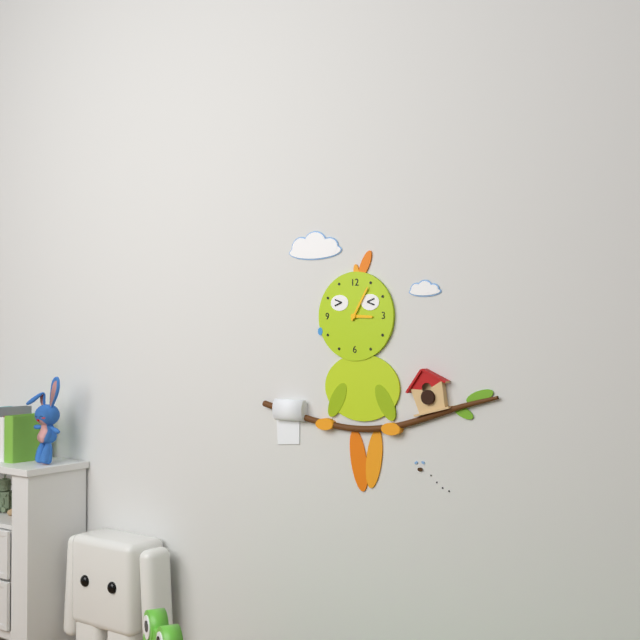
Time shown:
{"hour": 3, "minute": 5}
